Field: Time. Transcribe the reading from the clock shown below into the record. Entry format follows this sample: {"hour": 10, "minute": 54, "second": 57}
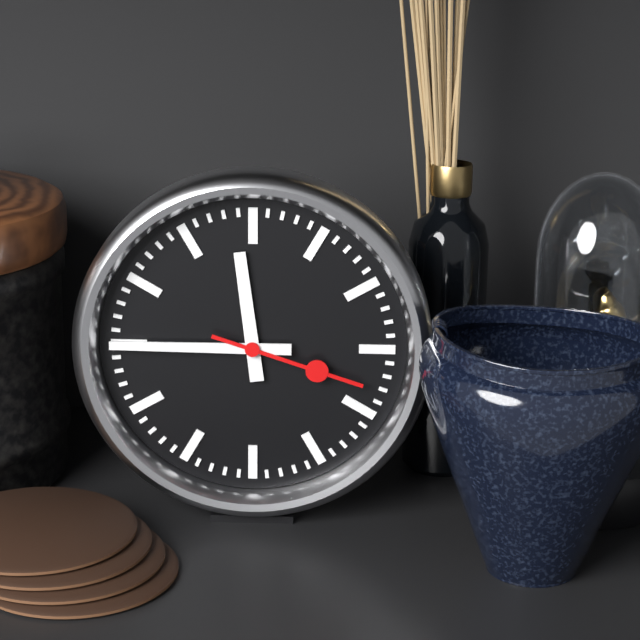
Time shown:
{"hour": 11, "minute": 45, "second": 18}
